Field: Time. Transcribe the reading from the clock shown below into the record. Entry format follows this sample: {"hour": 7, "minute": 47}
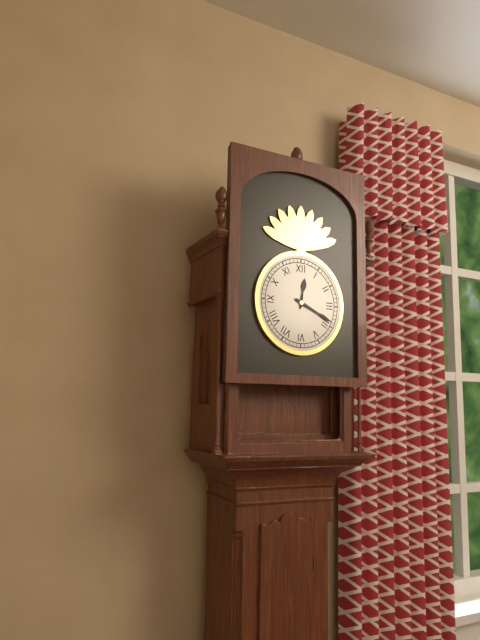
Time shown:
{"hour": 12, "minute": 19}
